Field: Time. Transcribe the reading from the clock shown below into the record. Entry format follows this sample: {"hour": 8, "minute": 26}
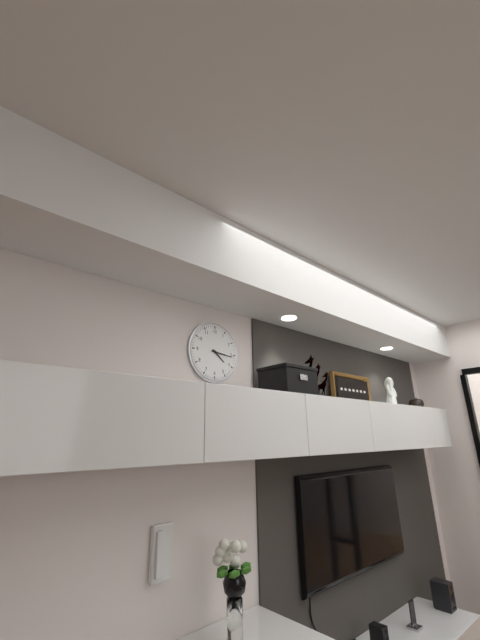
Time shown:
{"hour": 4, "minute": 16}
